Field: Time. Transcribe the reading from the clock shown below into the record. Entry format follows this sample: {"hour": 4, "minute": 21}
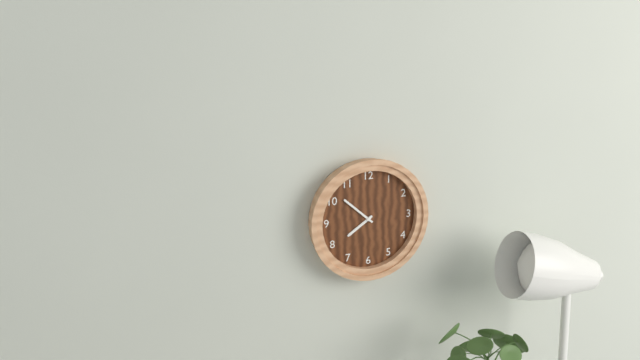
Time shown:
{"hour": 7, "minute": 52}
